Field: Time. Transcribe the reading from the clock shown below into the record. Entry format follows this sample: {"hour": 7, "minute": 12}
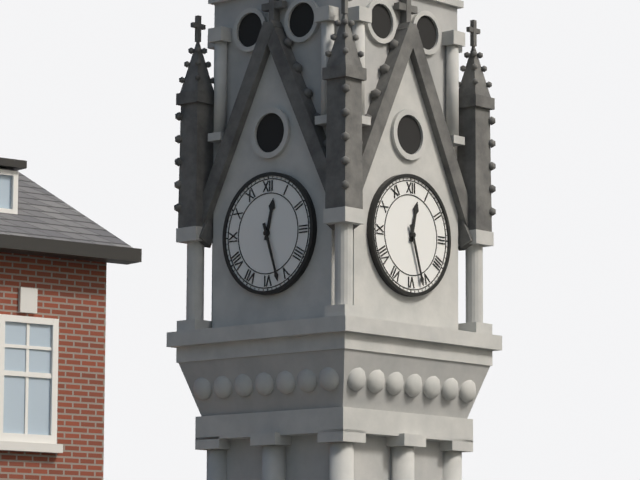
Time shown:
{"hour": 12, "minute": 27}
